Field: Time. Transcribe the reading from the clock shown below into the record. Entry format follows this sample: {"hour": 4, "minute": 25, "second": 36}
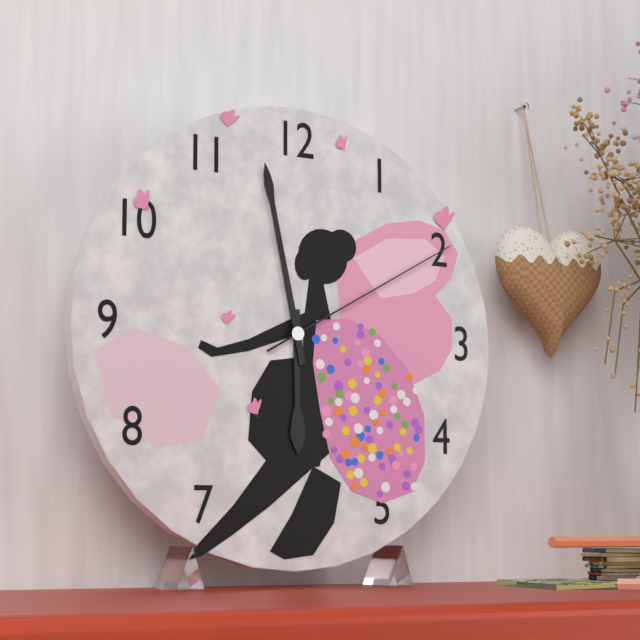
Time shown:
{"hour": 5, "minute": 58, "second": 10}
